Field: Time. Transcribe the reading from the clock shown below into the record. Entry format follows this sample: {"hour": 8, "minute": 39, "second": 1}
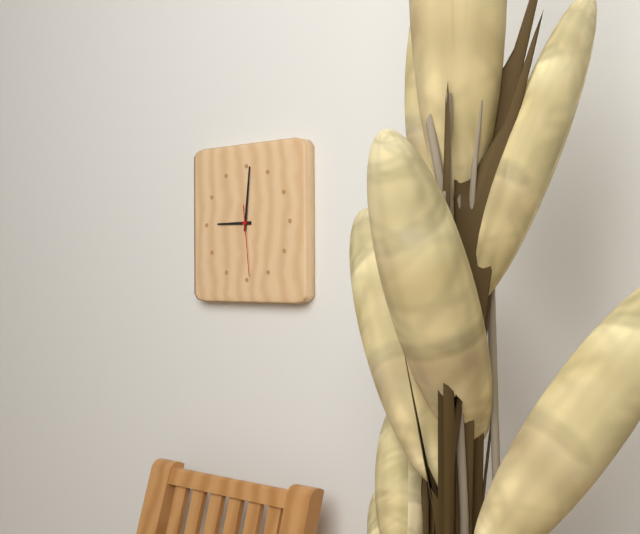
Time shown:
{"hour": 9, "minute": 1, "second": 29}
